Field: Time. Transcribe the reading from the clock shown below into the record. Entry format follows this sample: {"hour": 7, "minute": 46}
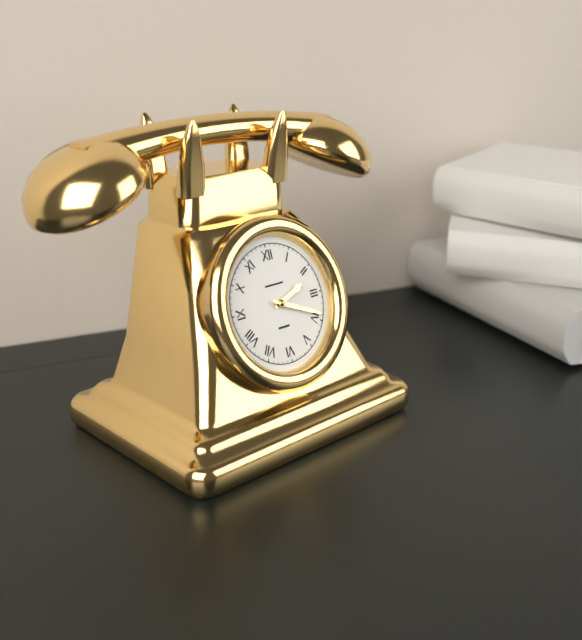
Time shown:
{"hour": 2, "minute": 19}
